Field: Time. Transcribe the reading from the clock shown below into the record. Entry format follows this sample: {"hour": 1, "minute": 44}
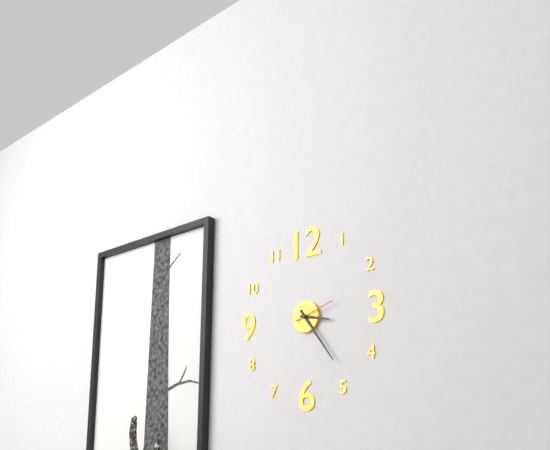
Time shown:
{"hour": 3, "minute": 24}
